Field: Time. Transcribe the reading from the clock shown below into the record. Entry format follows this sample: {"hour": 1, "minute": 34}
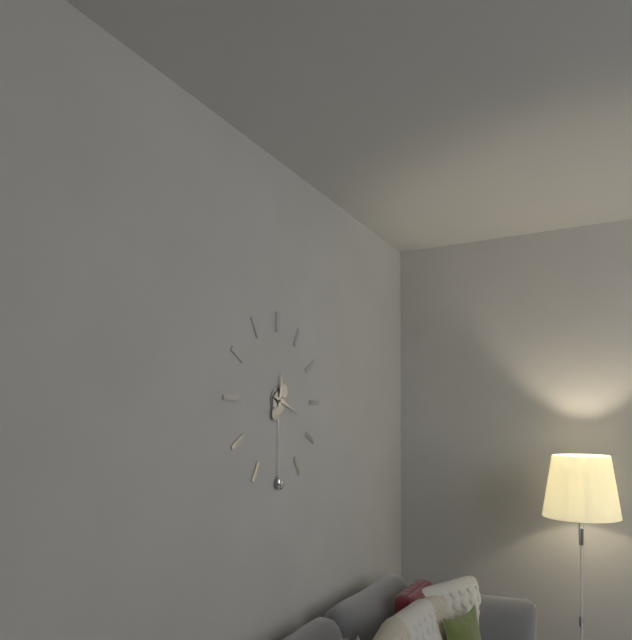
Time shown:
{"hour": 12, "minute": 18}
